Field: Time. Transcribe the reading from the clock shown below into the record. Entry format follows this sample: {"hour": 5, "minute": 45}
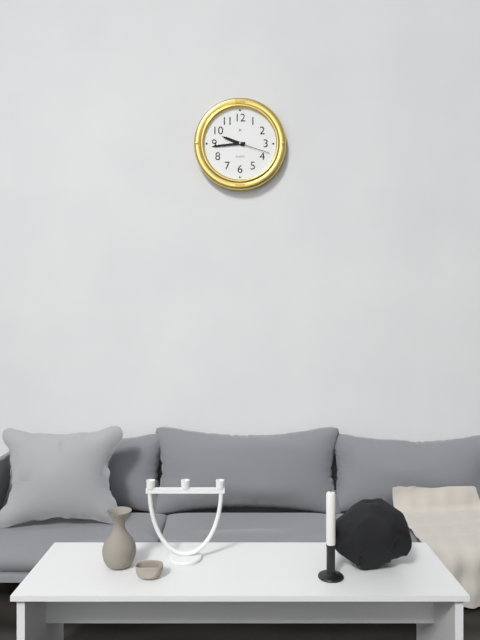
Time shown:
{"hour": 9, "minute": 44}
